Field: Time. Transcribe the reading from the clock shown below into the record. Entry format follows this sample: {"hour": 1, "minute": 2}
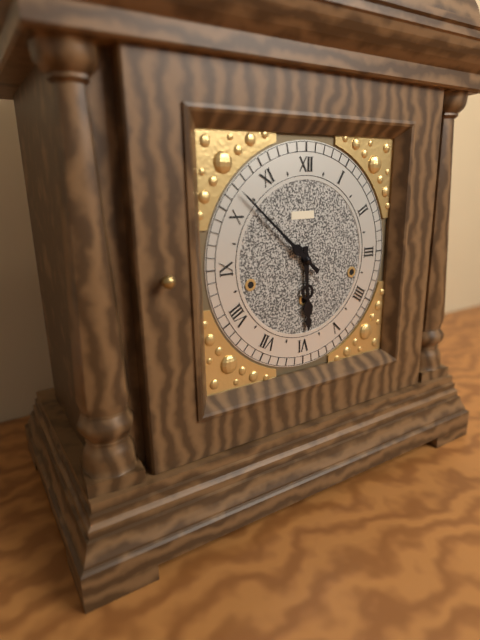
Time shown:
{"hour": 5, "minute": 52}
